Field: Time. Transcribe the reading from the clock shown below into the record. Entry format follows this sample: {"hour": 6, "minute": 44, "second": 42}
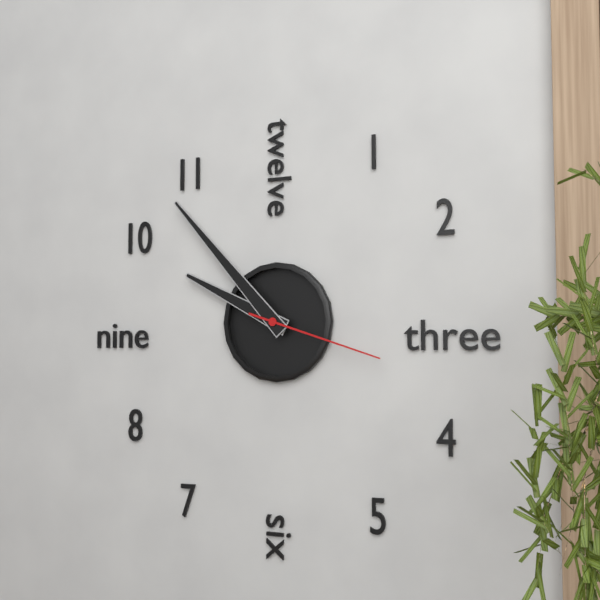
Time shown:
{"hour": 9, "minute": 53, "second": 18}
